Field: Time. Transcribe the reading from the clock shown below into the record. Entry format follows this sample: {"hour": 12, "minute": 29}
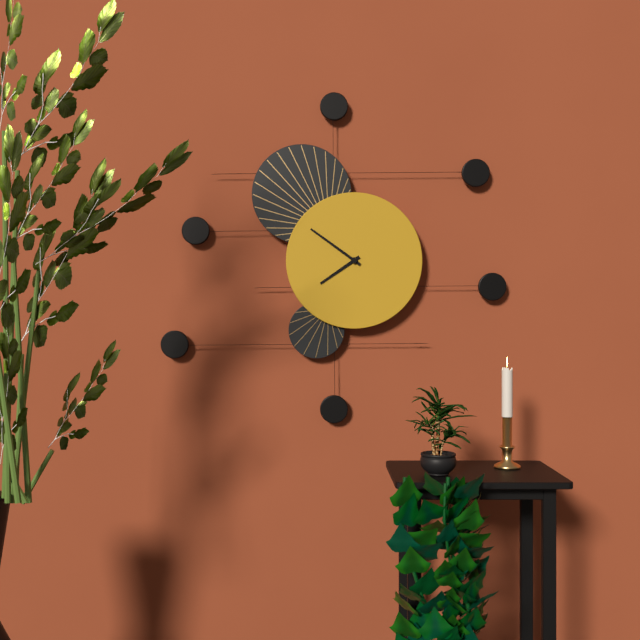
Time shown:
{"hour": 7, "minute": 51}
